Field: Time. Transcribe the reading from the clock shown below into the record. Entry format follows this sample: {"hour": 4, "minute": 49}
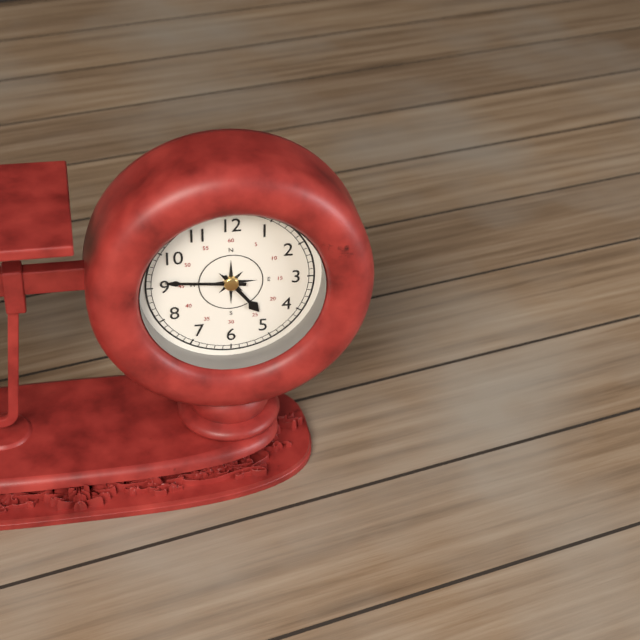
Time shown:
{"hour": 4, "minute": 46}
